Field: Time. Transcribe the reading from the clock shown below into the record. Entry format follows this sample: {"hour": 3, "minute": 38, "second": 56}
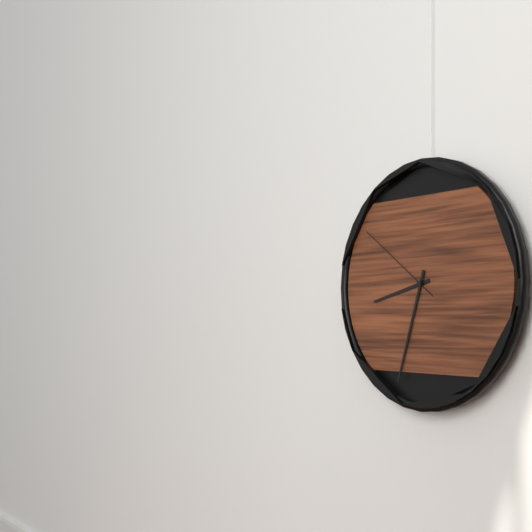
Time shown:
{"hour": 8, "minute": 33, "second": 51}
